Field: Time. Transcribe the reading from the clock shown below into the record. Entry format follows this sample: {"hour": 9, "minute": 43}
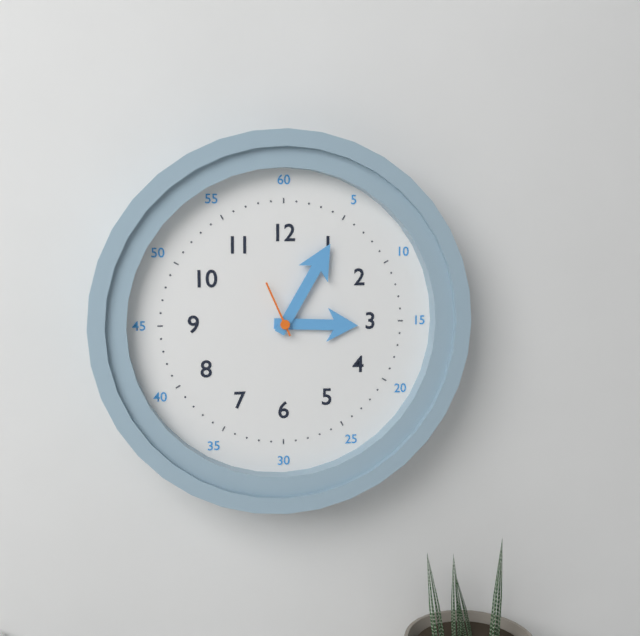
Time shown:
{"hour": 3, "minute": 5}
